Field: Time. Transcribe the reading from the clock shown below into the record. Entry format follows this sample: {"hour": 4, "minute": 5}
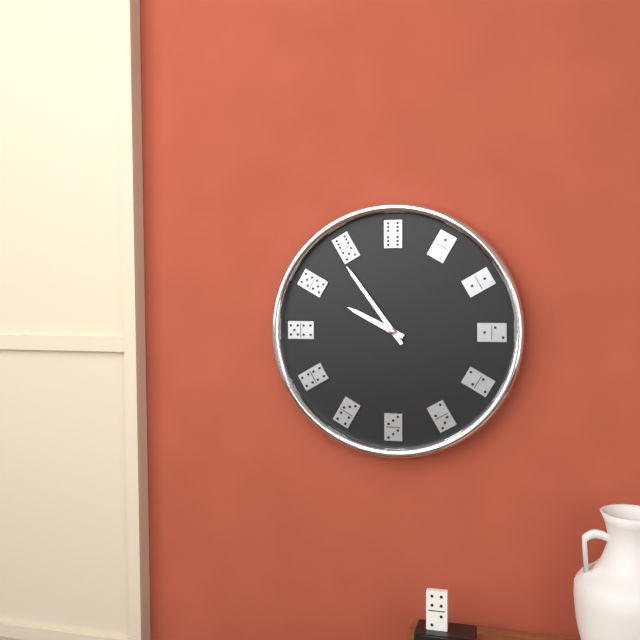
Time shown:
{"hour": 9, "minute": 54}
